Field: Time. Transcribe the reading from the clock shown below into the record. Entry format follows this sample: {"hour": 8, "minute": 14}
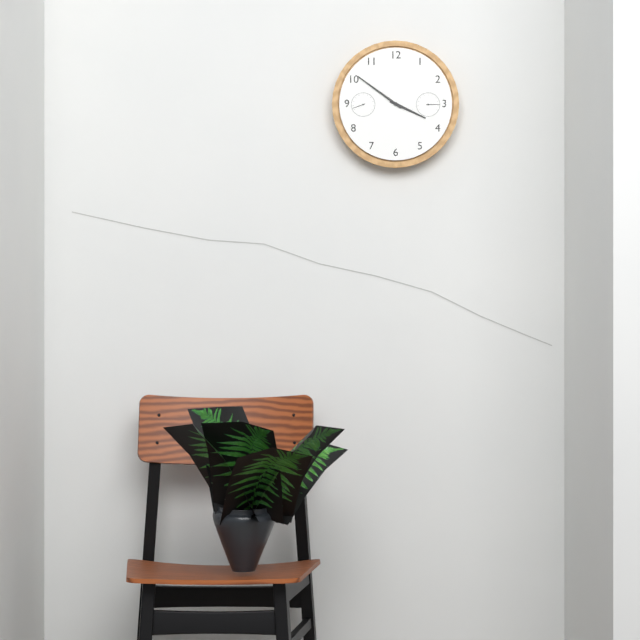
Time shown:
{"hour": 3, "minute": 51}
